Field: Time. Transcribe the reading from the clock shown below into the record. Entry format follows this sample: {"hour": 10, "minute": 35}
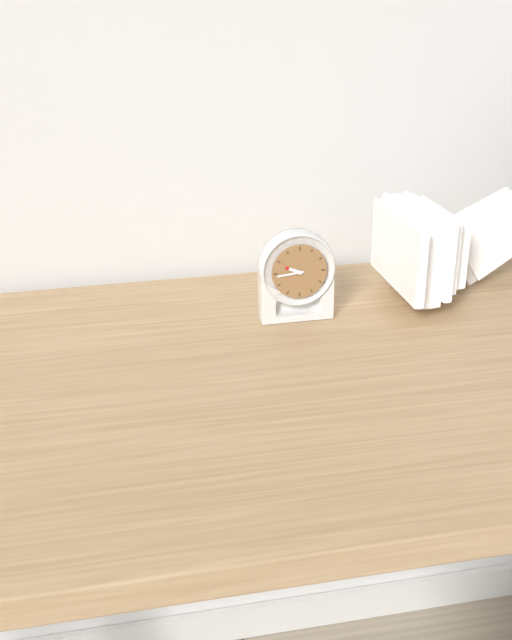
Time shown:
{"hour": 9, "minute": 44}
